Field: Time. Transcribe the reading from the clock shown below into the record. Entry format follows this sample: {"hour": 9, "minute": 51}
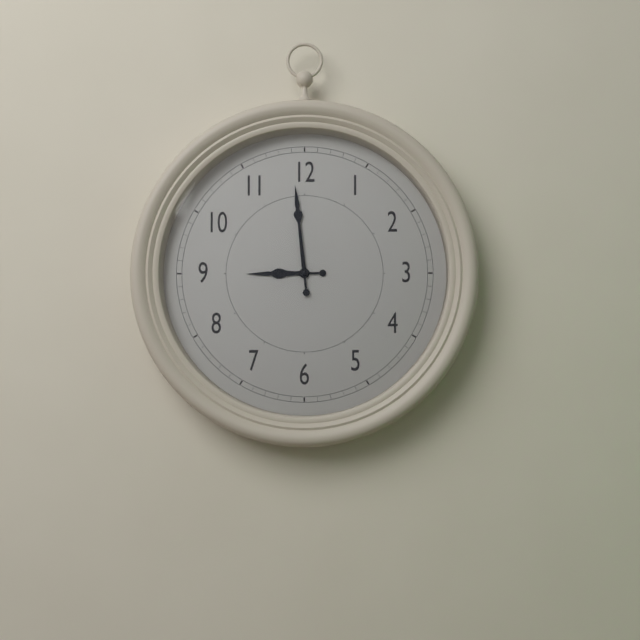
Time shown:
{"hour": 8, "minute": 59}
